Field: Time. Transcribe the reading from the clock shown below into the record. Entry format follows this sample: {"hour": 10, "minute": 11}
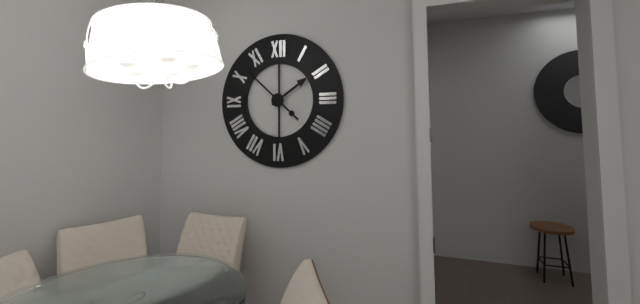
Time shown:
{"hour": 1, "minute": 52}
